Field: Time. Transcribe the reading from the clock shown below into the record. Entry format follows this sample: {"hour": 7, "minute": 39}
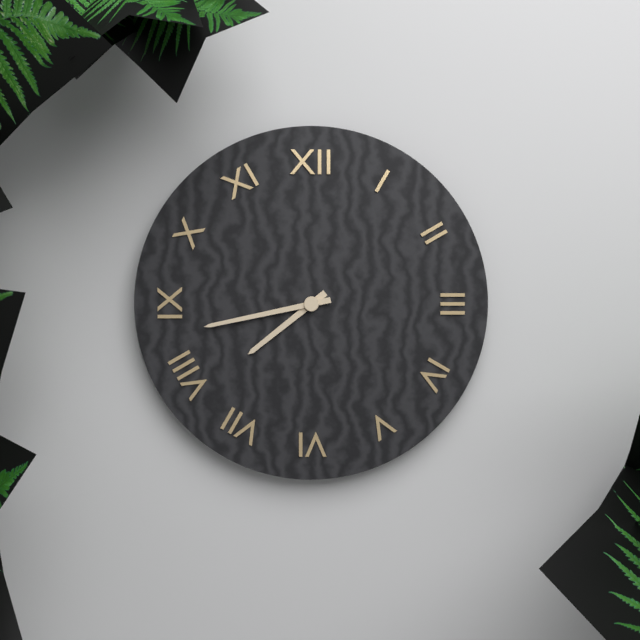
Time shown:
{"hour": 7, "minute": 43}
